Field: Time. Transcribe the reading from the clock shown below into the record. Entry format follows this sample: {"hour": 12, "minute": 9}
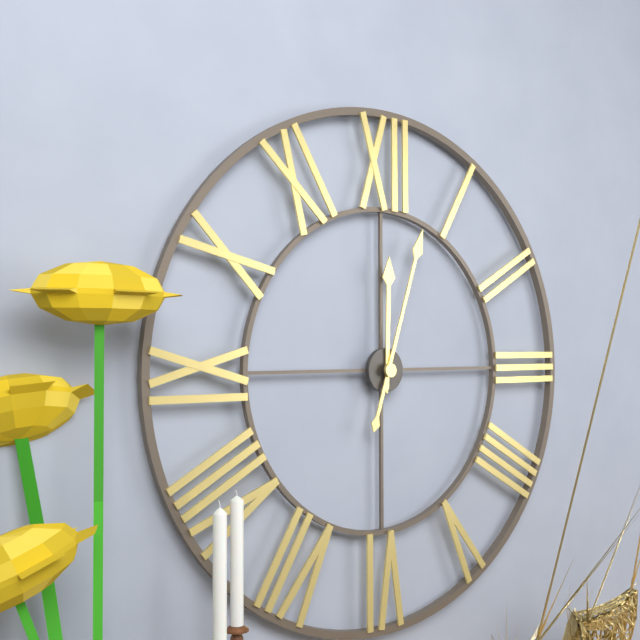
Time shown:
{"hour": 12, "minute": 3}
